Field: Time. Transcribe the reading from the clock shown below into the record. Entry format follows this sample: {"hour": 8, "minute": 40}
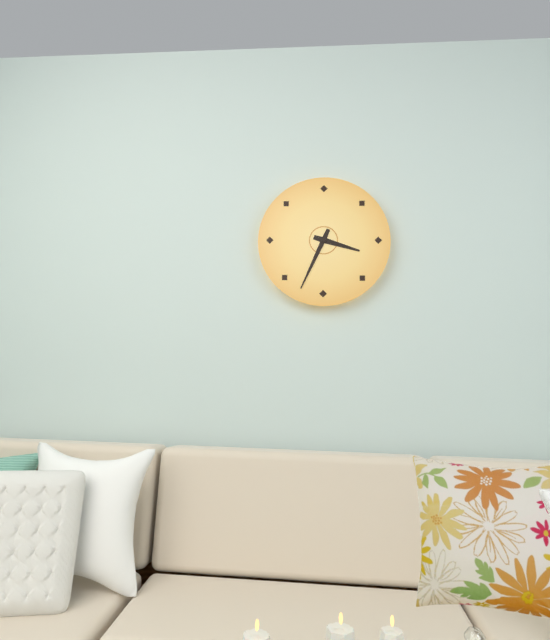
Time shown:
{"hour": 3, "minute": 34}
